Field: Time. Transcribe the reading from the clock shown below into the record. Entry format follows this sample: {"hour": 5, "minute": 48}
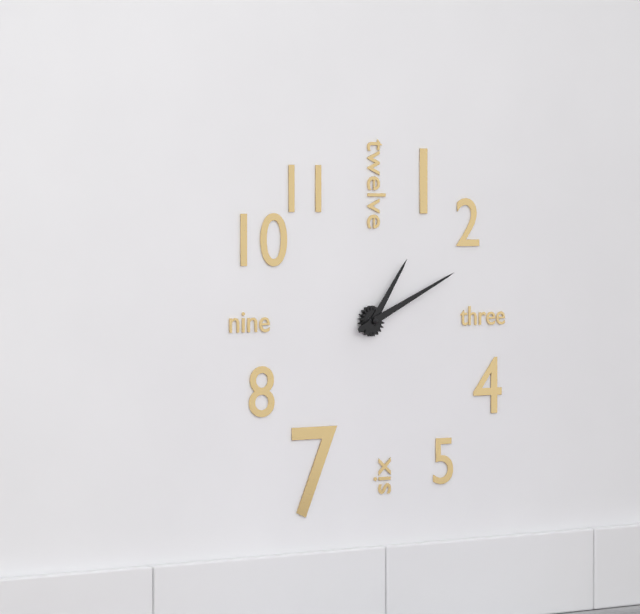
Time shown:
{"hour": 1, "minute": 11}
